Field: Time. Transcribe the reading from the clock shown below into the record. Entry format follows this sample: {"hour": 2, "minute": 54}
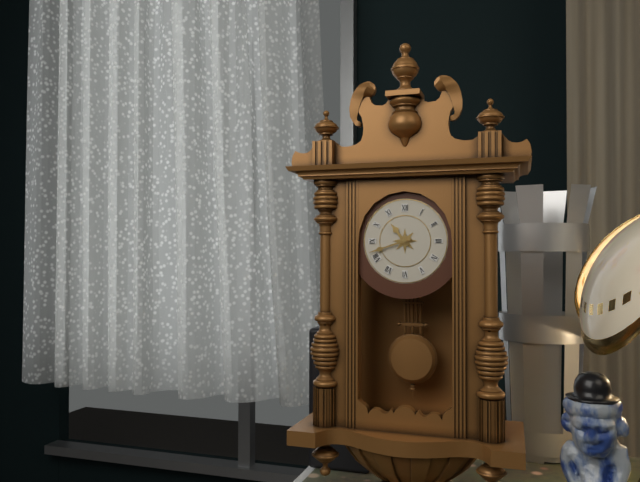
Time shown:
{"hour": 10, "minute": 42}
